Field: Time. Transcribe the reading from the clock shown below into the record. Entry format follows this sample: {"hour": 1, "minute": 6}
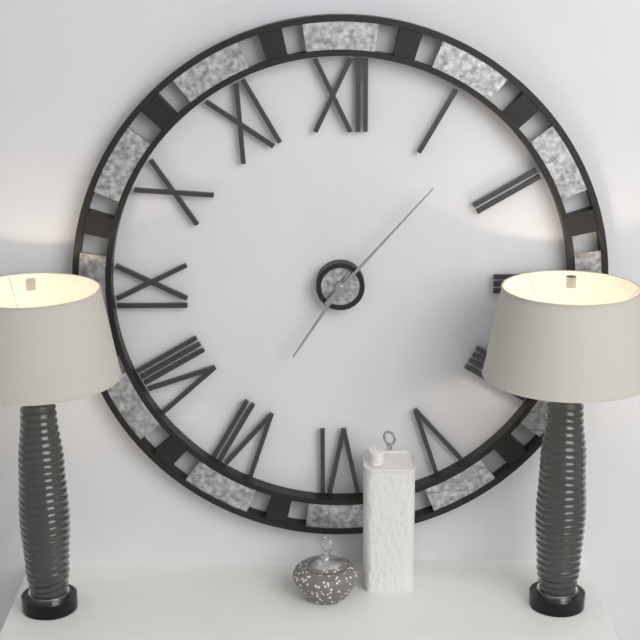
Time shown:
{"hour": 7, "minute": 7}
